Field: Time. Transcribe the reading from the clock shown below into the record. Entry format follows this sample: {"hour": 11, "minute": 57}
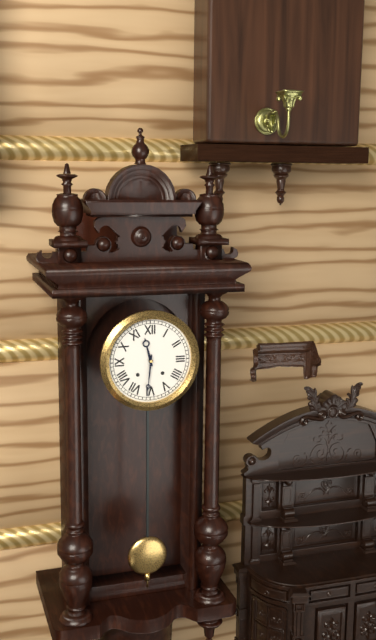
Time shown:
{"hour": 11, "minute": 31}
